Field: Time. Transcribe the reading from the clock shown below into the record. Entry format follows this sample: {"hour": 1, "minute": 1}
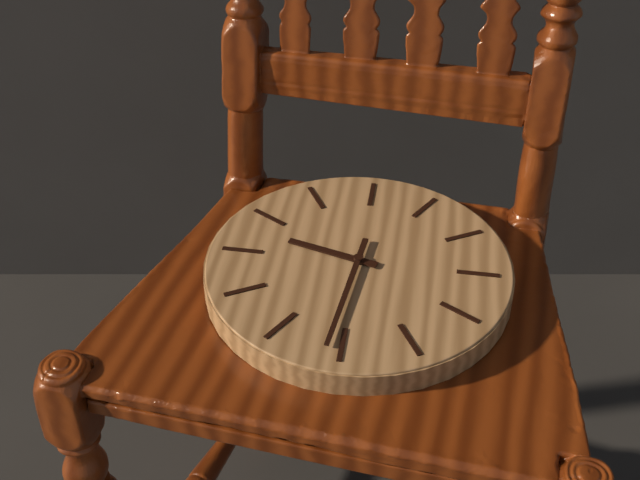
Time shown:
{"hour": 9, "minute": 31}
